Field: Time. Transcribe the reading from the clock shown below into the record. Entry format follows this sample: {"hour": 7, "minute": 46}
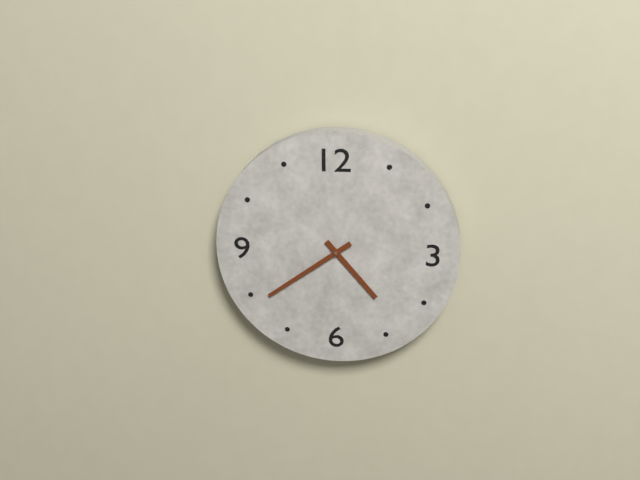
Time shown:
{"hour": 4, "minute": 39}
